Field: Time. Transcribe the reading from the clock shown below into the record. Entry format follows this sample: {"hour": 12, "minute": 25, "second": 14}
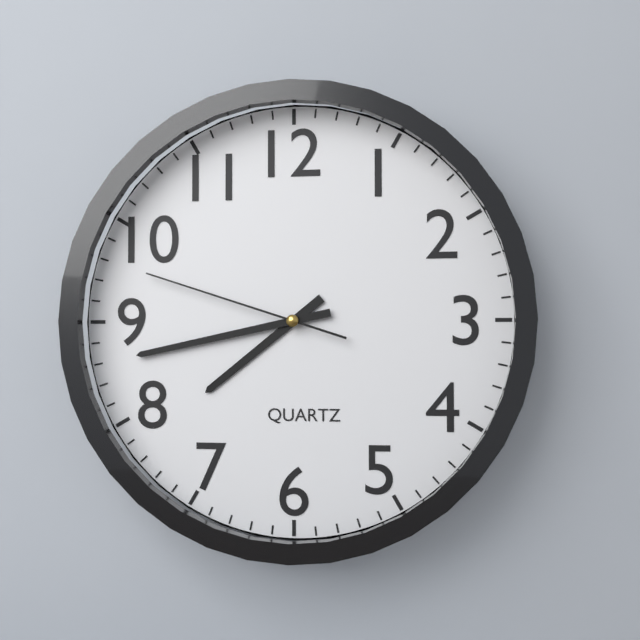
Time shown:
{"hour": 7, "minute": 43, "second": 48}
